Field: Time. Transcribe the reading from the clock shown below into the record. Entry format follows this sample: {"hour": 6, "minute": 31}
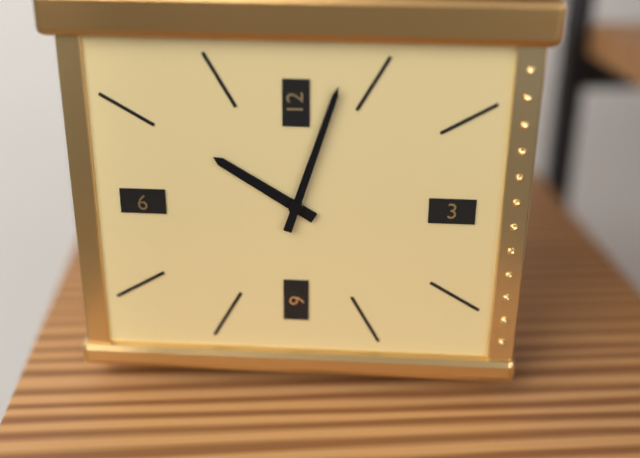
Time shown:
{"hour": 10, "minute": 3}
